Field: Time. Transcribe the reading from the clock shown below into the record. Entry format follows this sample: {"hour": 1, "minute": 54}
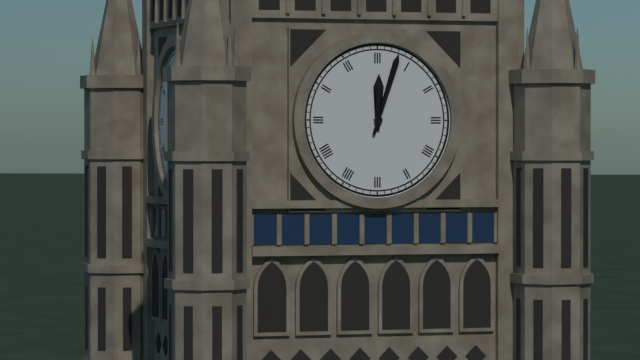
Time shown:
{"hour": 12, "minute": 3}
